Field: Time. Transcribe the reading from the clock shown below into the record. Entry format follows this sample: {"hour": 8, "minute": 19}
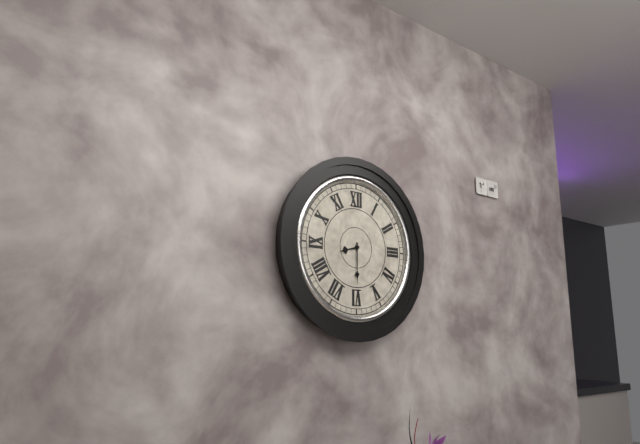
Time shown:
{"hour": 8, "minute": 30}
